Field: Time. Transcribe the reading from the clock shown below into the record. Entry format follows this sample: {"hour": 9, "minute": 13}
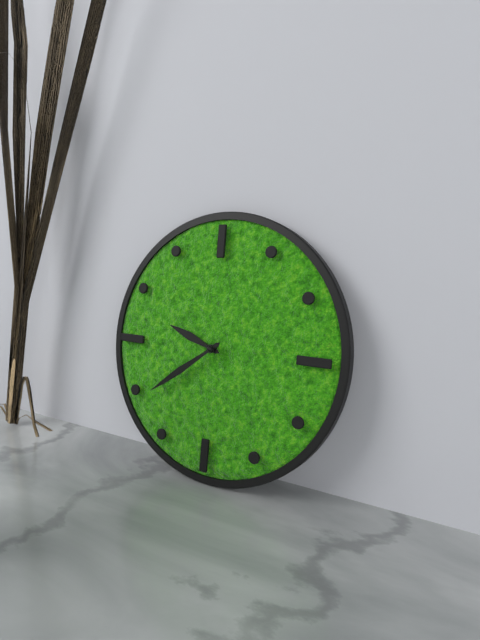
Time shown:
{"hour": 9, "minute": 39}
